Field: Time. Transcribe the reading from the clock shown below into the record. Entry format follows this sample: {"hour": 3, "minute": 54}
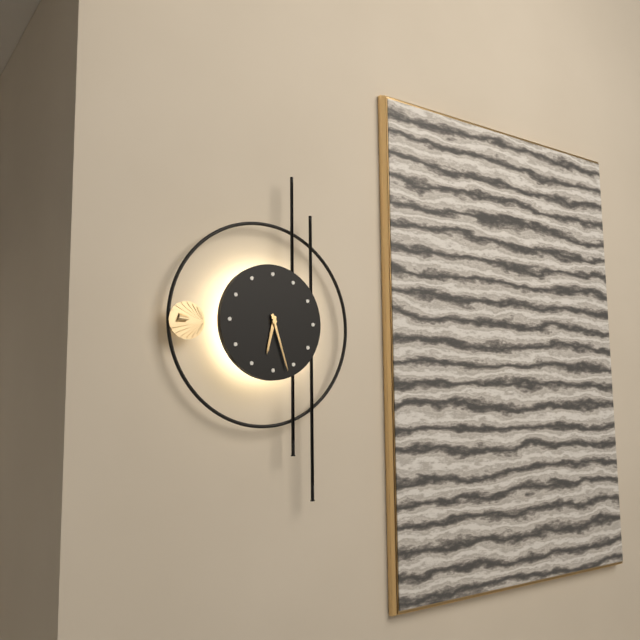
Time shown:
{"hour": 6, "minute": 27}
